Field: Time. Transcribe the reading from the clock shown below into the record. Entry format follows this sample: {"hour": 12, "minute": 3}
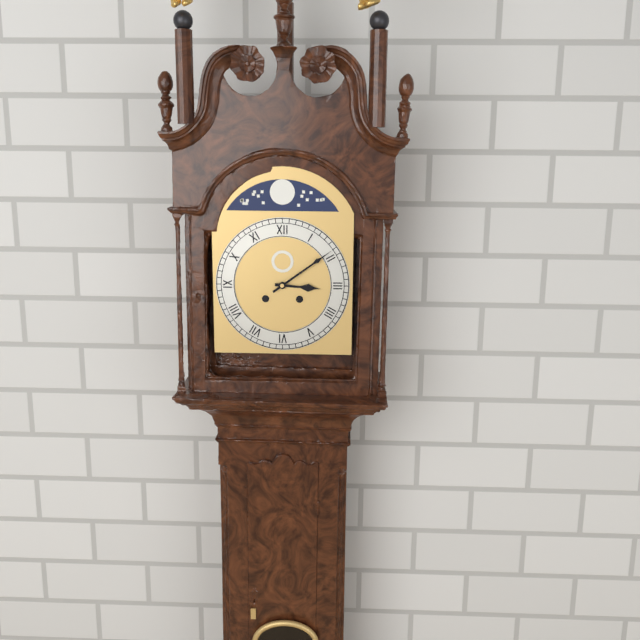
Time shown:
{"hour": 3, "minute": 9}
